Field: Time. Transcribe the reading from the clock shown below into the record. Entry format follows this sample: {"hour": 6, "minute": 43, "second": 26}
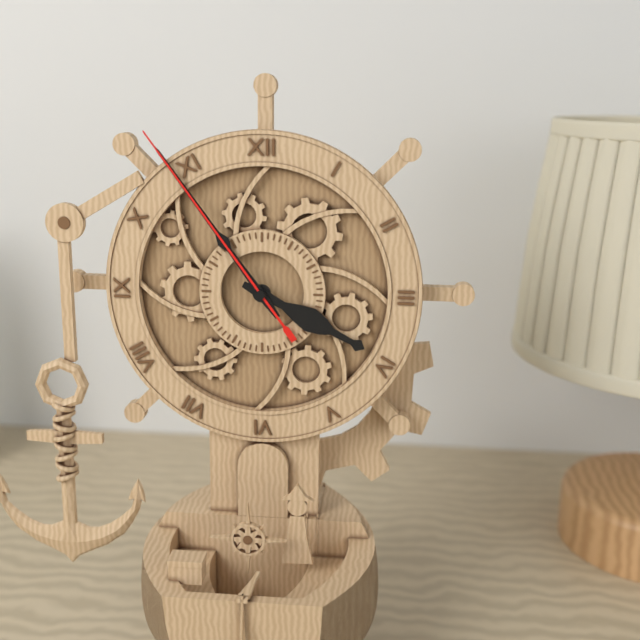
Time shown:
{"hour": 3, "minute": 54, "second": 54}
